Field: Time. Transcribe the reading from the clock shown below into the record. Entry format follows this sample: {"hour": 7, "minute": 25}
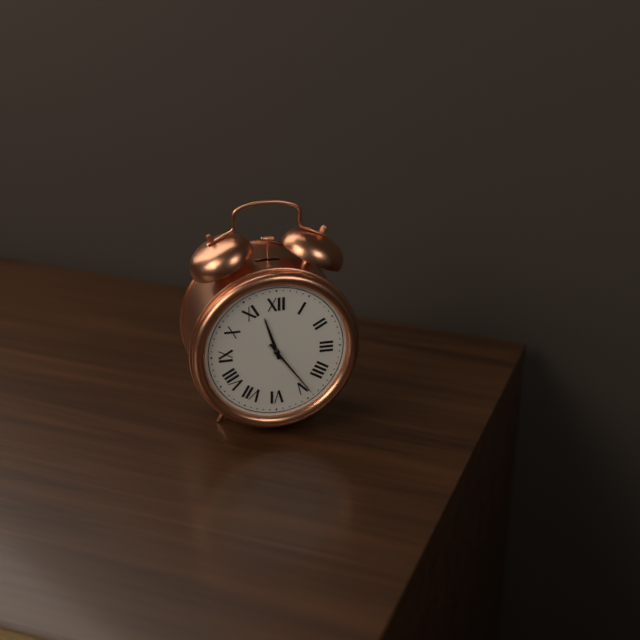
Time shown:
{"hour": 11, "minute": 24}
